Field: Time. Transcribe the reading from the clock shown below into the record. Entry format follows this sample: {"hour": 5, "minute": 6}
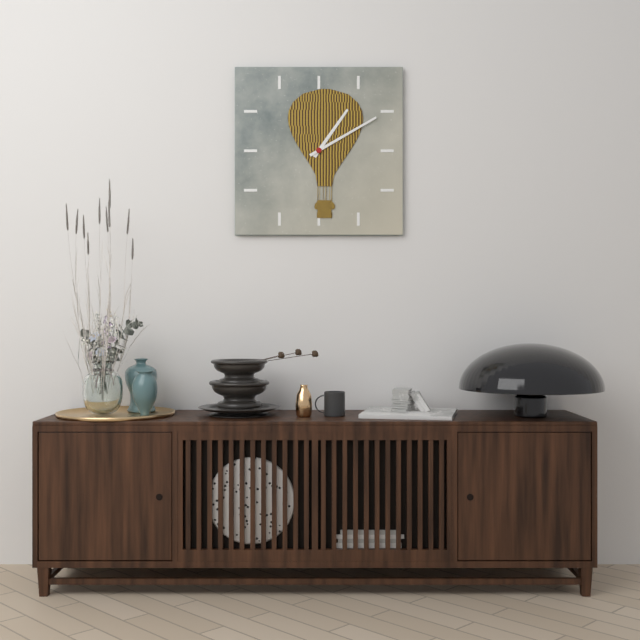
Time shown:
{"hour": 1, "minute": 10}
